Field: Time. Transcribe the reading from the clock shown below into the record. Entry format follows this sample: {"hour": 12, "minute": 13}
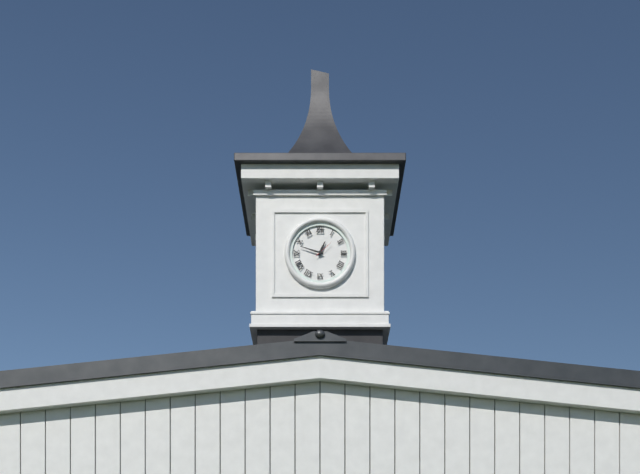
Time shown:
{"hour": 12, "minute": 48}
